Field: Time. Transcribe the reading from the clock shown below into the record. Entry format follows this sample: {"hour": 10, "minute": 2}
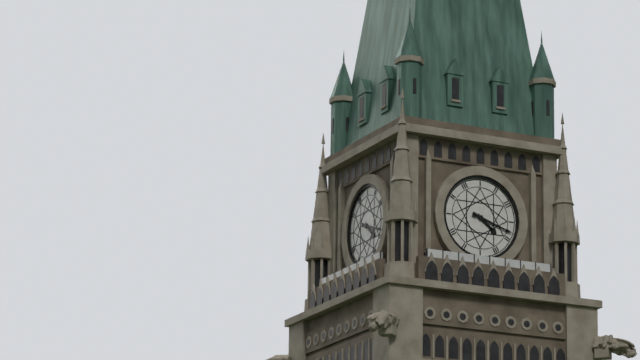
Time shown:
{"hour": 4, "minute": 18}
